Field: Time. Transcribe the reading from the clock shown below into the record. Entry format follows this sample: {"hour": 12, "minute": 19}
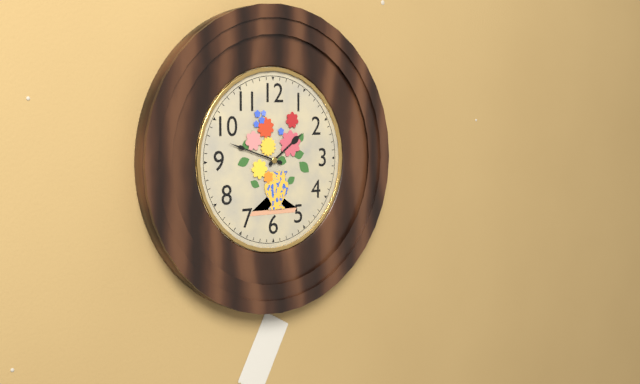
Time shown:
{"hour": 1, "minute": 48}
